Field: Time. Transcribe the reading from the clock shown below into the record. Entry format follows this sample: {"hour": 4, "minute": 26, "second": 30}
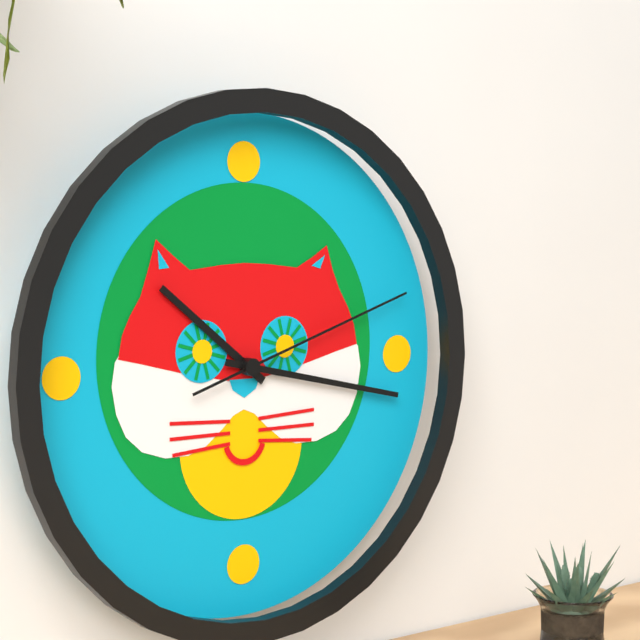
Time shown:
{"hour": 10, "minute": 17, "second": 12}
